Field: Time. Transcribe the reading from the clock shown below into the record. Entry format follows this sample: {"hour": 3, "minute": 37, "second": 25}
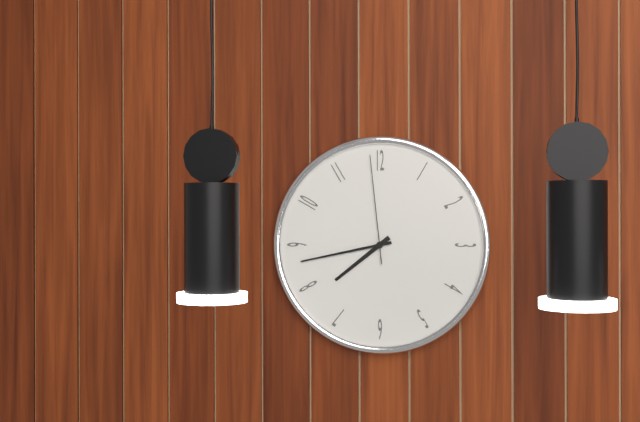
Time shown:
{"hour": 7, "minute": 43, "second": 59}
